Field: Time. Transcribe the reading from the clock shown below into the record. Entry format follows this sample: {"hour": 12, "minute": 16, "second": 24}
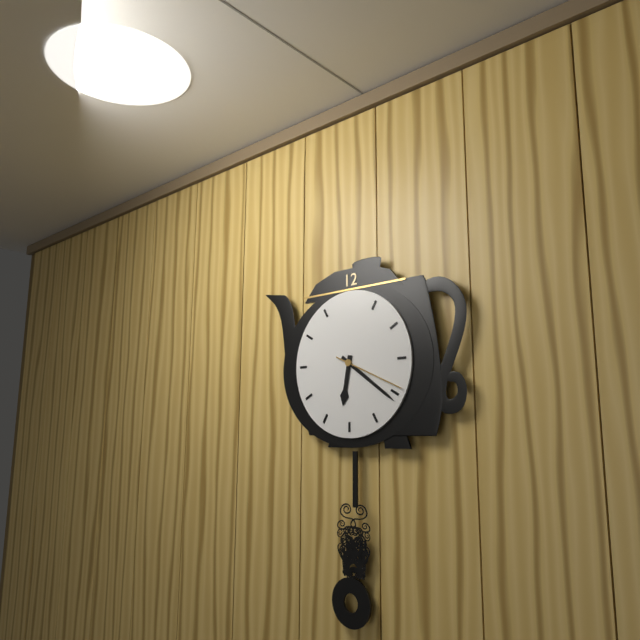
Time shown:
{"hour": 6, "minute": 21, "second": 19}
